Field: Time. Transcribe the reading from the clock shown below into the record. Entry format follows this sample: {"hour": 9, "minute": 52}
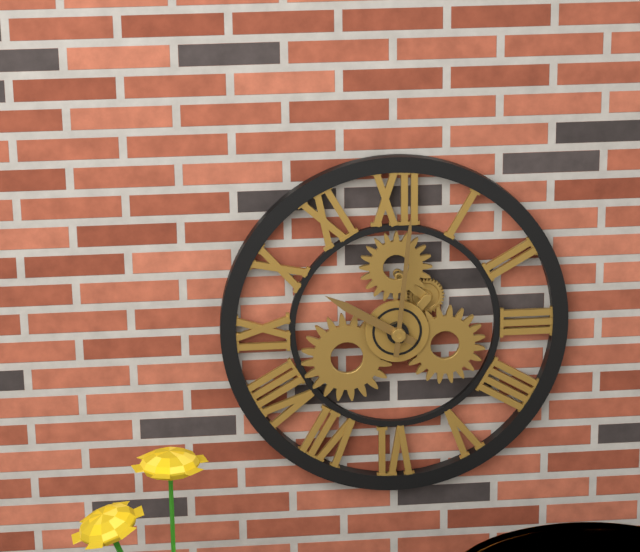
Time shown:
{"hour": 10, "minute": 1}
